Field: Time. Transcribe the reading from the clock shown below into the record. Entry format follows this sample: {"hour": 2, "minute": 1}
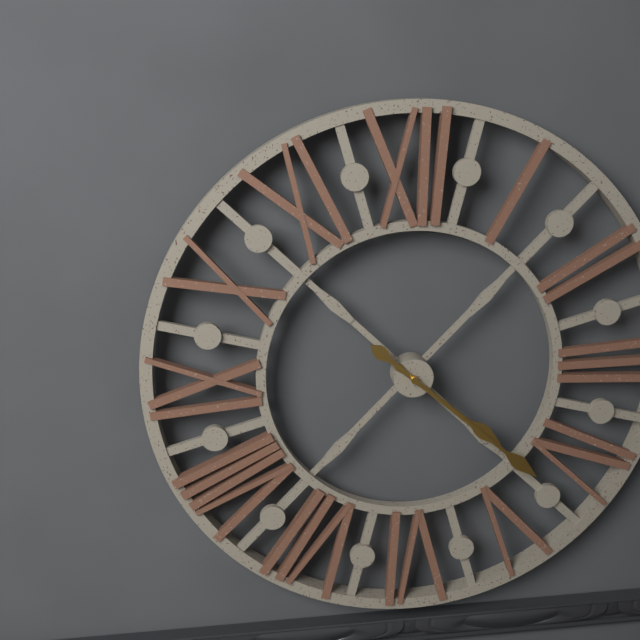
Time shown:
{"hour": 4, "minute": 22}
